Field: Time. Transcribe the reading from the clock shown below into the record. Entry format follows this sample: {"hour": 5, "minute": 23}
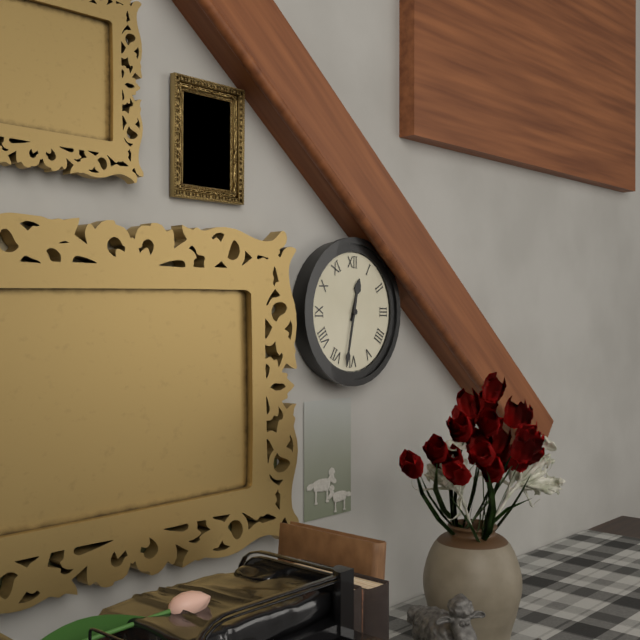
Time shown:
{"hour": 12, "minute": 32}
